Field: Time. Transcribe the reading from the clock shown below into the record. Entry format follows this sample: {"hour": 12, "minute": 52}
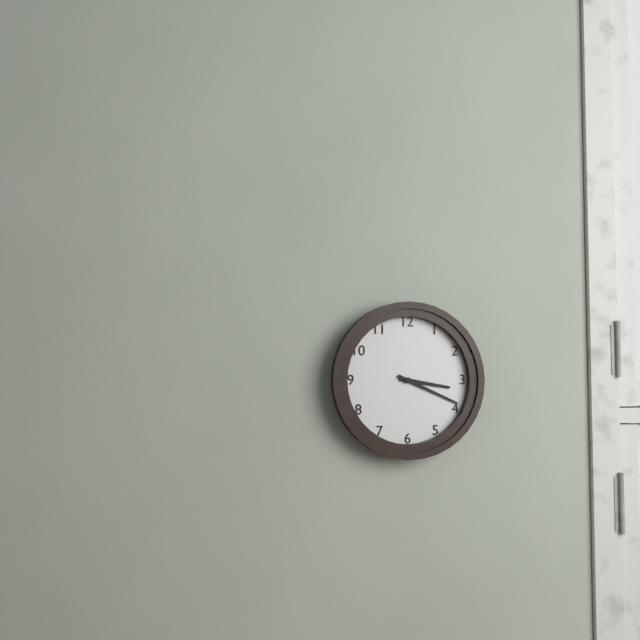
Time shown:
{"hour": 3, "minute": 19}
